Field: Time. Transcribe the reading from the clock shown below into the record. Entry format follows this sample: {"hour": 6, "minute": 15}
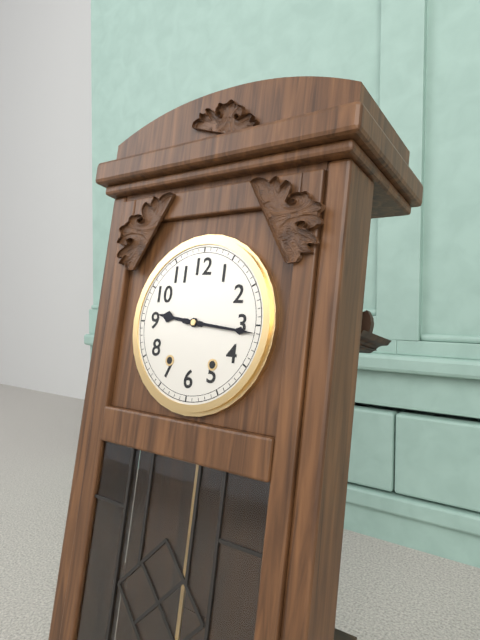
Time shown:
{"hour": 9, "minute": 16}
